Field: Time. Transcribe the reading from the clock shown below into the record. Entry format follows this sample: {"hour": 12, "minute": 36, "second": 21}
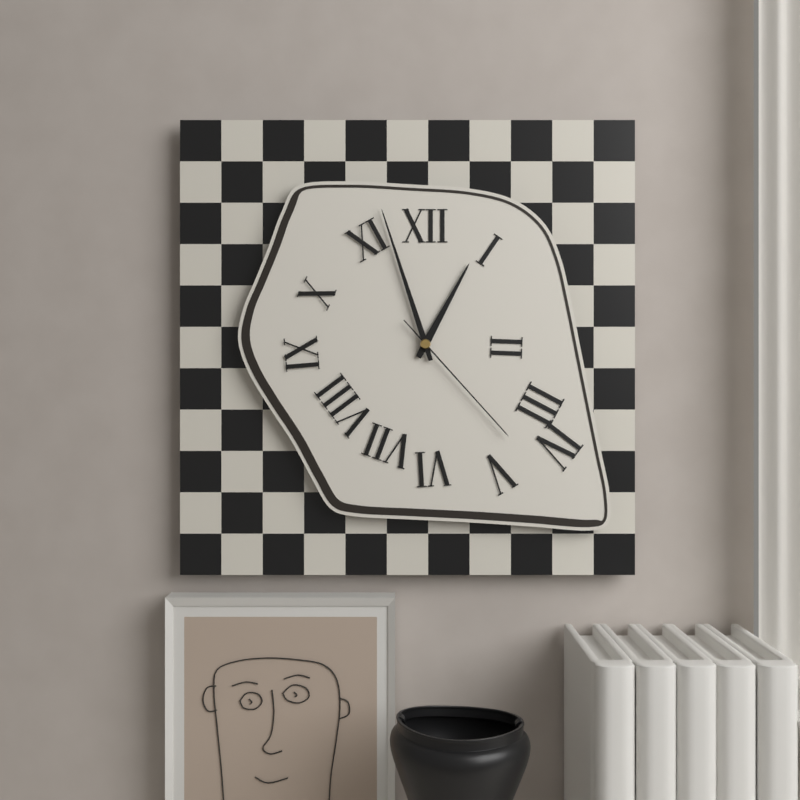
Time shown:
{"hour": 12, "minute": 57, "second": 23}
